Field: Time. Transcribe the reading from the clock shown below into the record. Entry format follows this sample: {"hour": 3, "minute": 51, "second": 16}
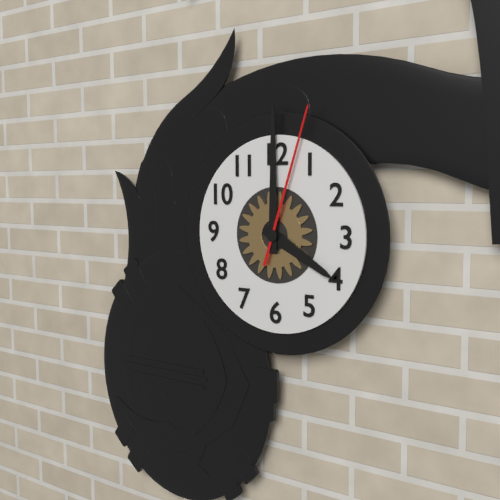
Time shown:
{"hour": 4, "minute": 0, "second": 3}
